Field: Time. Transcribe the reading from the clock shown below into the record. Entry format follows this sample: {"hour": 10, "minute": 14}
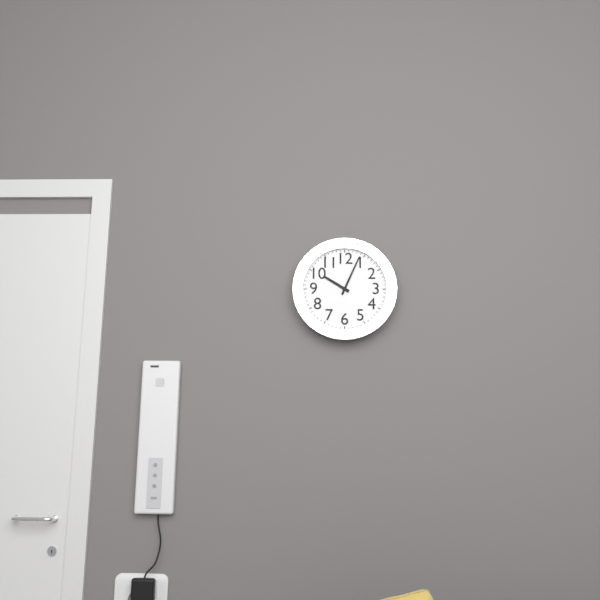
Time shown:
{"hour": 10, "minute": 4}
